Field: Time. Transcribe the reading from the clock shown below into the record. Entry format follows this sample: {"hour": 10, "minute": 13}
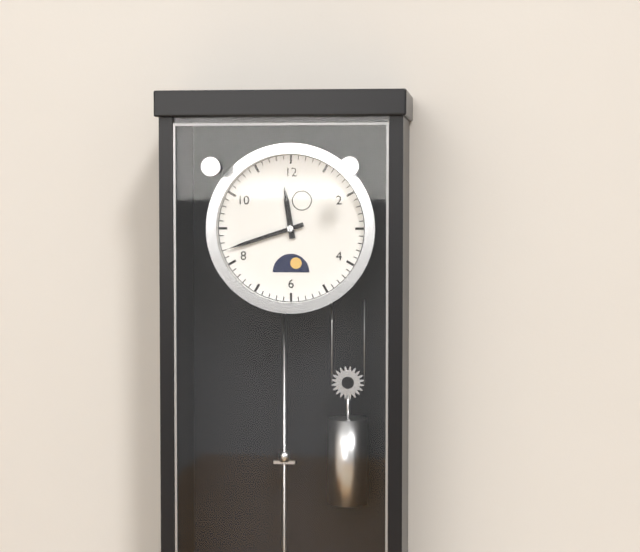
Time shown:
{"hour": 11, "minute": 42}
